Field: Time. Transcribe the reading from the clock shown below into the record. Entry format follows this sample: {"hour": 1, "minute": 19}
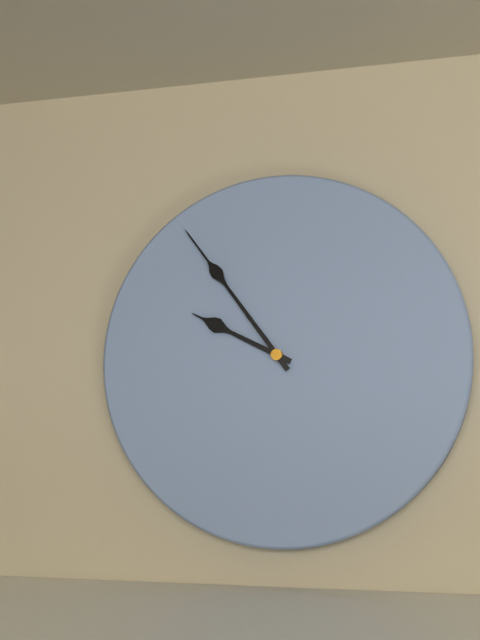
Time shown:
{"hour": 9, "minute": 54}
